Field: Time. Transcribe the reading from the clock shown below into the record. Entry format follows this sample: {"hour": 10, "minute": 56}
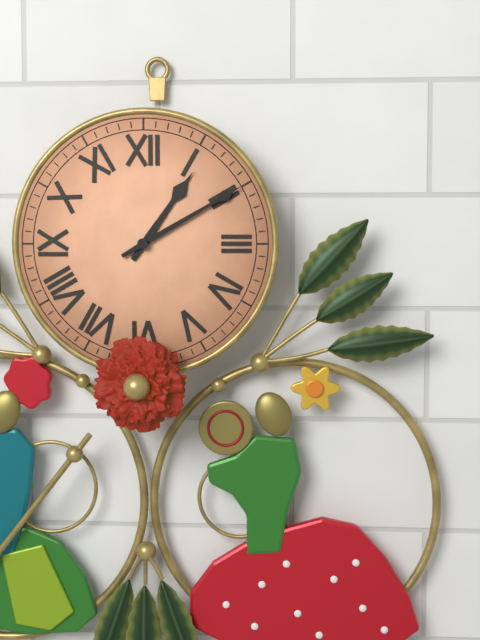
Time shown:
{"hour": 1, "minute": 10}
